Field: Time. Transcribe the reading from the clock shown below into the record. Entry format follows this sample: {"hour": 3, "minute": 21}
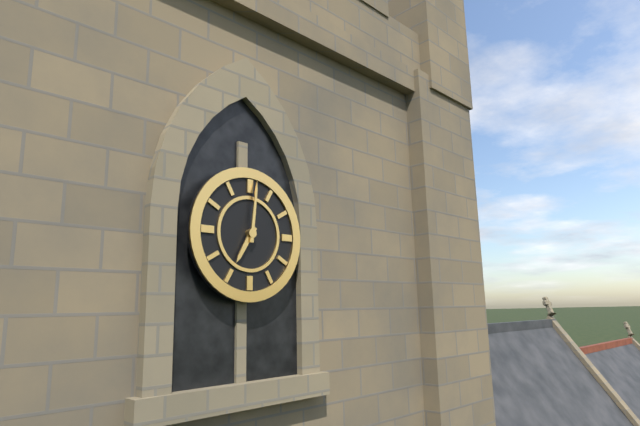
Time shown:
{"hour": 7, "minute": 1}
